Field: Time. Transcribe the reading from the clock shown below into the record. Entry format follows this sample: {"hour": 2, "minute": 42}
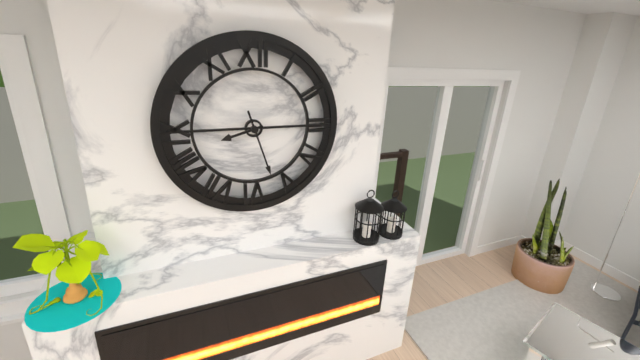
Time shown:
{"hour": 8, "minute": 27}
